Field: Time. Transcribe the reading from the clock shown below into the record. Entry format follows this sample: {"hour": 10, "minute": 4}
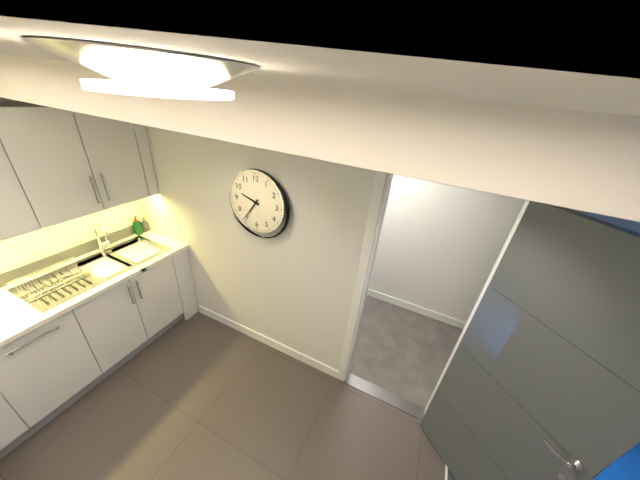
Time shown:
{"hour": 9, "minute": 36}
